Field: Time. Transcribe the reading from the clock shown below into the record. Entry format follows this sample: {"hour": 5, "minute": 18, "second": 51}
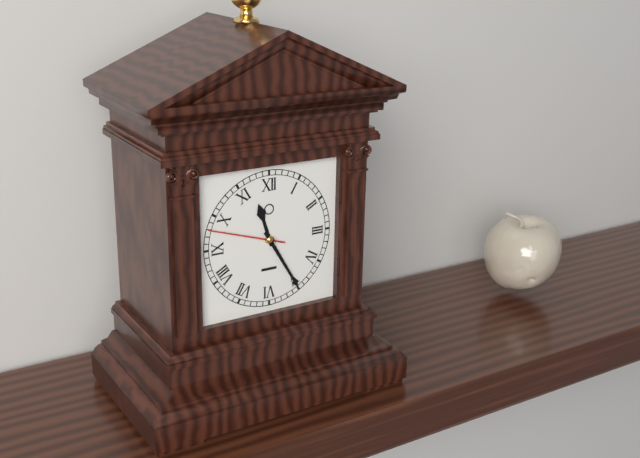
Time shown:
{"hour": 11, "minute": 25, "second": 48}
